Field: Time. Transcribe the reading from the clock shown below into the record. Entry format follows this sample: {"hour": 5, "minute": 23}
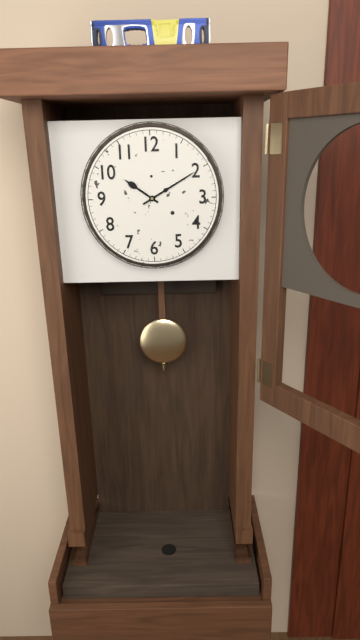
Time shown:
{"hour": 10, "minute": 10}
